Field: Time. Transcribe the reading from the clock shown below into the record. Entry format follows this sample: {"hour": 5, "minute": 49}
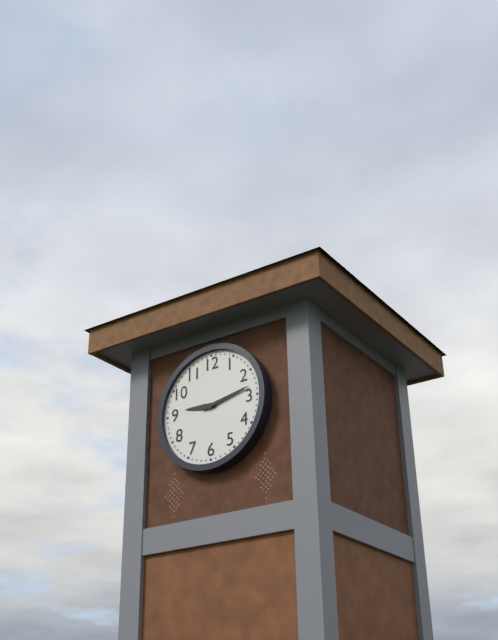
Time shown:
{"hour": 9, "minute": 13}
